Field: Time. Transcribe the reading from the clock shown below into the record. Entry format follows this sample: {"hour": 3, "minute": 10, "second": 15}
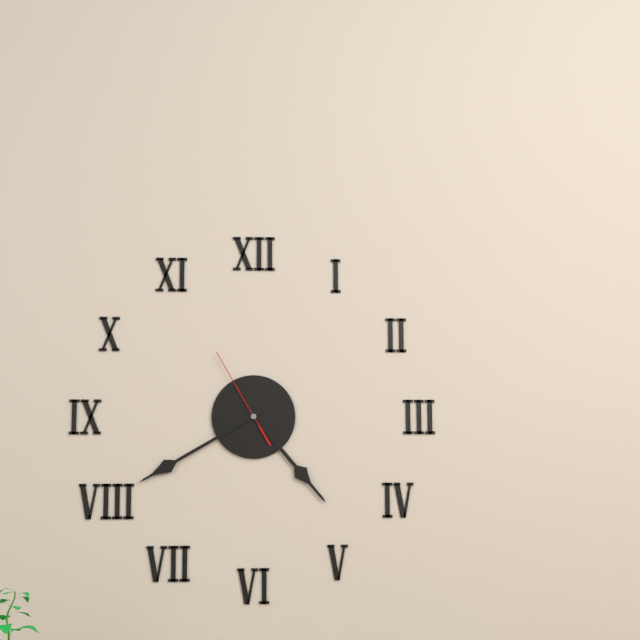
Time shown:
{"hour": 4, "minute": 40, "second": 55}
